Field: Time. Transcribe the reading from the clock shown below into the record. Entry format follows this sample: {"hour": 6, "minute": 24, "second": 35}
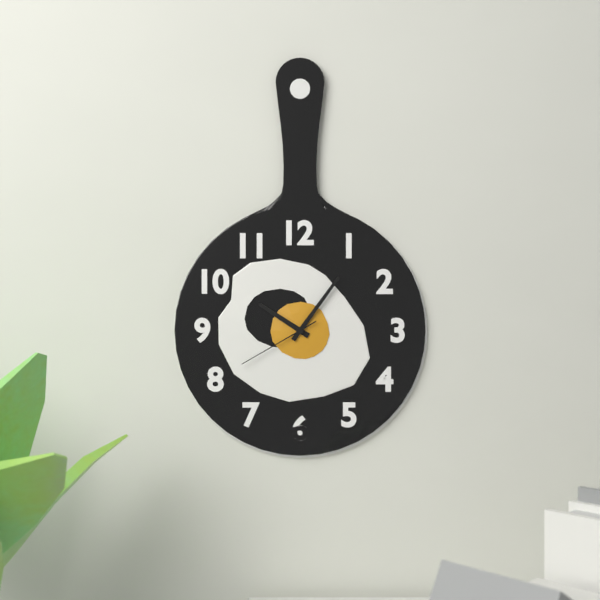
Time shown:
{"hour": 10, "minute": 6, "second": 40}
